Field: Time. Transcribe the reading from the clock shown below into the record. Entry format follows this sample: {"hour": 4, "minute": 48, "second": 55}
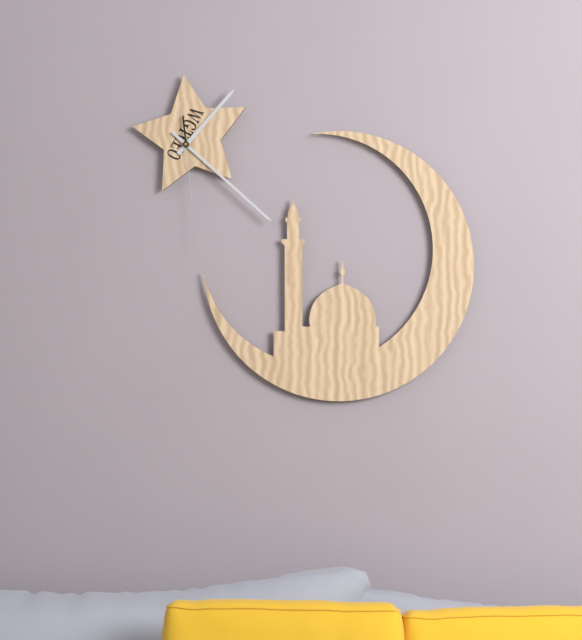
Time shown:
{"hour": 1, "minute": 22, "second": 29}
